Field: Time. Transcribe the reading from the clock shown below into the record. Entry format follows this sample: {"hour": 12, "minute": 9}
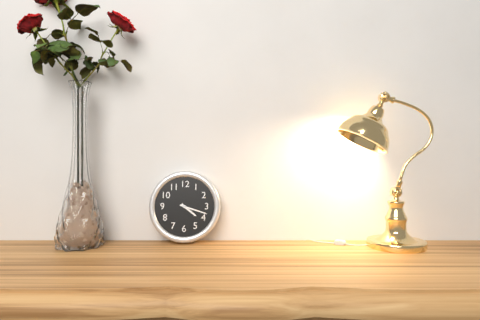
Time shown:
{"hour": 4, "minute": 18}
